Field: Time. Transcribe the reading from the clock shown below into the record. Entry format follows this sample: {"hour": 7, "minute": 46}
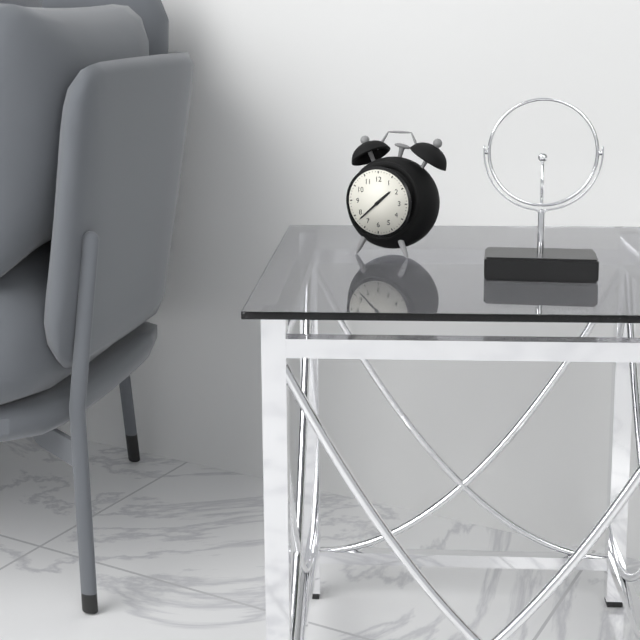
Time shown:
{"hour": 1, "minute": 38}
